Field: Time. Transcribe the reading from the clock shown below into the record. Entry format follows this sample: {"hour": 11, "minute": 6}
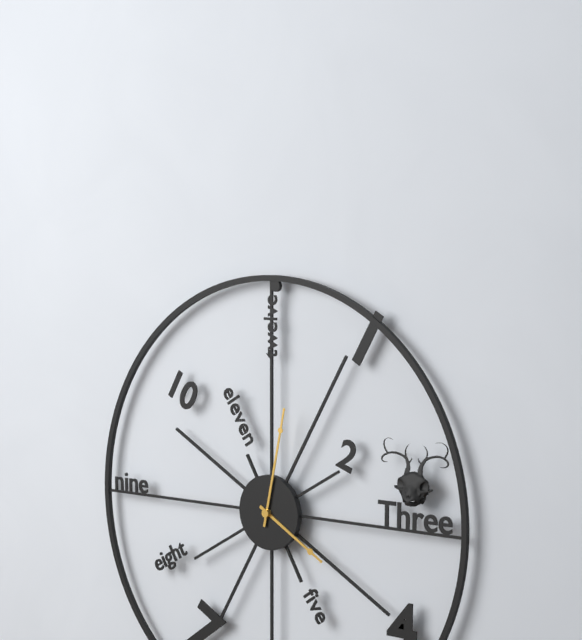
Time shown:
{"hour": 4, "minute": 2}
